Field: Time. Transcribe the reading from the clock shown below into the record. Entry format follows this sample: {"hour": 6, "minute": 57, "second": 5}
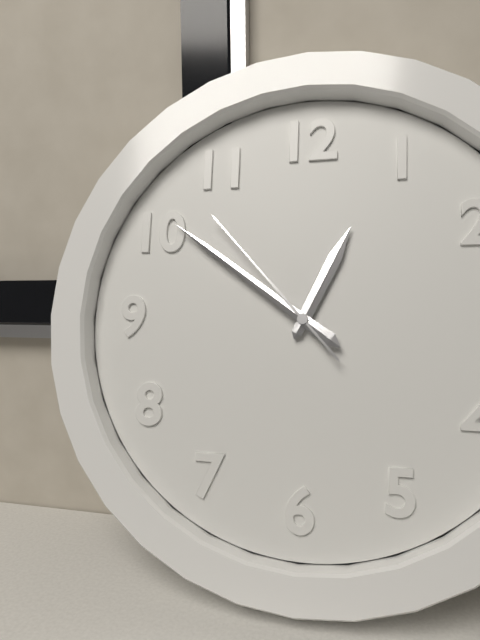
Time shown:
{"hour": 12, "minute": 51, "second": 53}
